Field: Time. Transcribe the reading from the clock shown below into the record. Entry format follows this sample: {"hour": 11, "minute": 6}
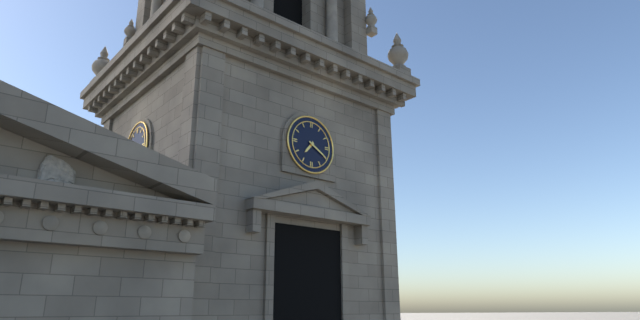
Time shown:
{"hour": 7, "minute": 20}
